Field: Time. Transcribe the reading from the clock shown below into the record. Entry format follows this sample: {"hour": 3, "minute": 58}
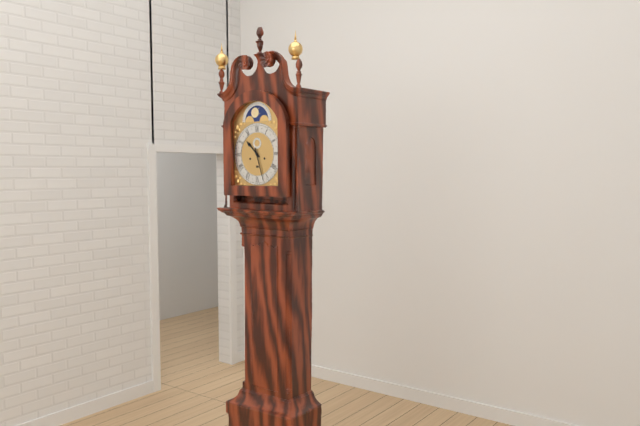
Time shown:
{"hour": 10, "minute": 27}
